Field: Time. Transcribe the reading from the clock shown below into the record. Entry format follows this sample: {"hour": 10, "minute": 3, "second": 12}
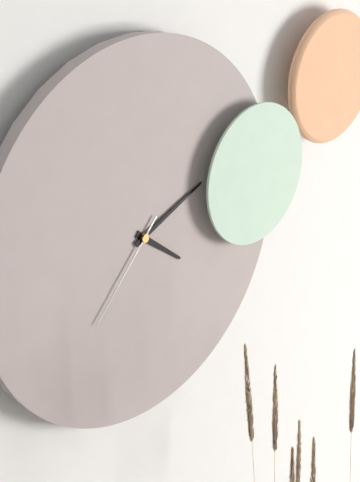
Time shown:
{"hour": 4, "minute": 11, "second": 37}
